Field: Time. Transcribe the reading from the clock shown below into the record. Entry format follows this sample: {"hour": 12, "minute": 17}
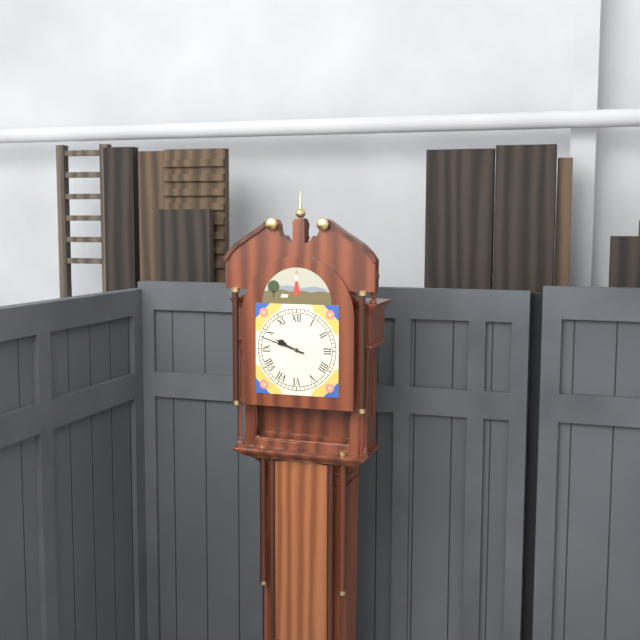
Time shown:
{"hour": 9, "minute": 48}
